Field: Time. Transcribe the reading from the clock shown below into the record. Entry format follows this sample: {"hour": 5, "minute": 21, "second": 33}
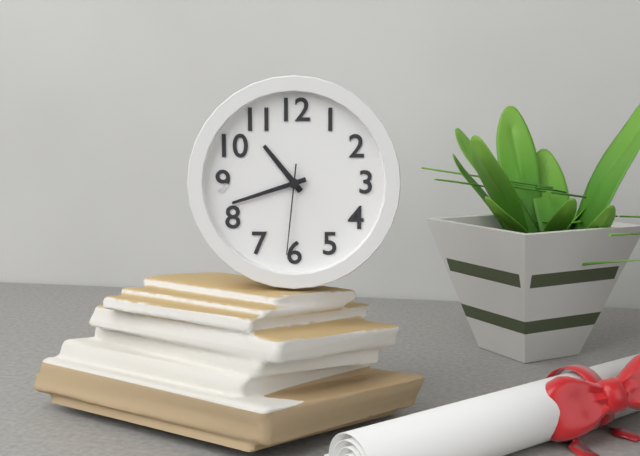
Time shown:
{"hour": 10, "minute": 42, "second": 31}
